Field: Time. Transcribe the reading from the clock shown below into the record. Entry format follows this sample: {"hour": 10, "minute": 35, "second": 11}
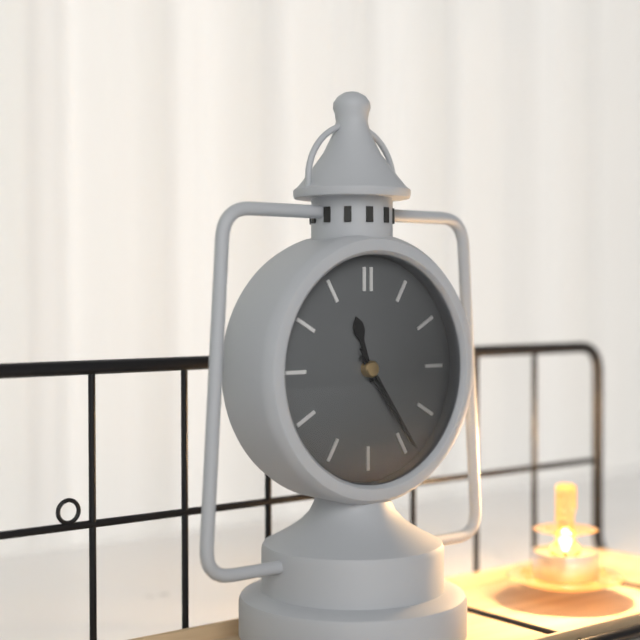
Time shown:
{"hour": 11, "minute": 24, "second": 24}
